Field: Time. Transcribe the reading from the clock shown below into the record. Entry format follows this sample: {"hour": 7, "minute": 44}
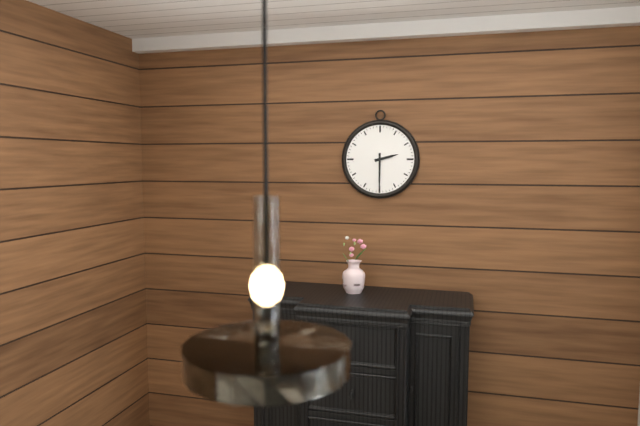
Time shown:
{"hour": 2, "minute": 30}
